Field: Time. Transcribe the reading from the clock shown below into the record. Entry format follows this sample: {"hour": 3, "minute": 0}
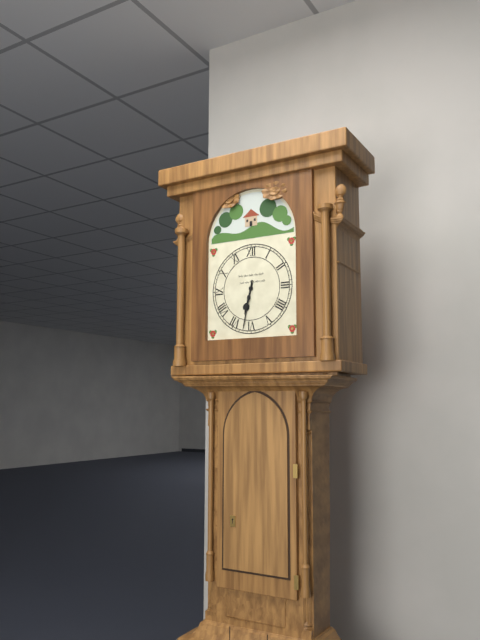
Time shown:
{"hour": 6, "minute": 32}
